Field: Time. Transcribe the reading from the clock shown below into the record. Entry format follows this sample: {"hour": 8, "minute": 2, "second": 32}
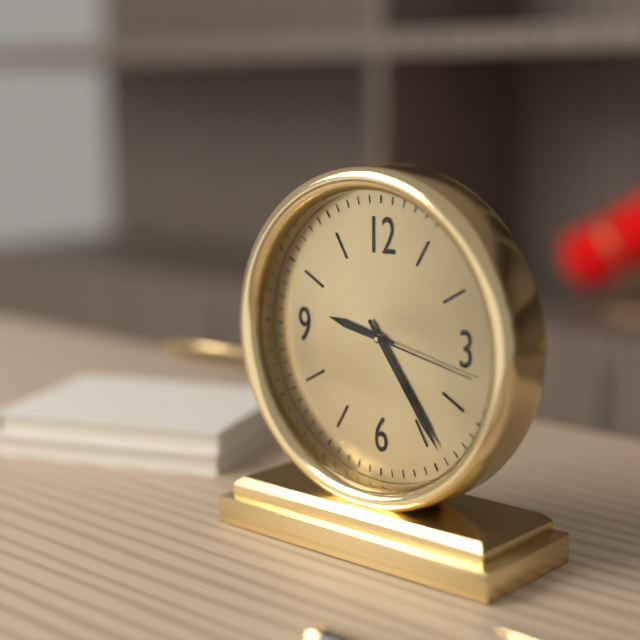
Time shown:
{"hour": 9, "minute": 24, "second": 17}
